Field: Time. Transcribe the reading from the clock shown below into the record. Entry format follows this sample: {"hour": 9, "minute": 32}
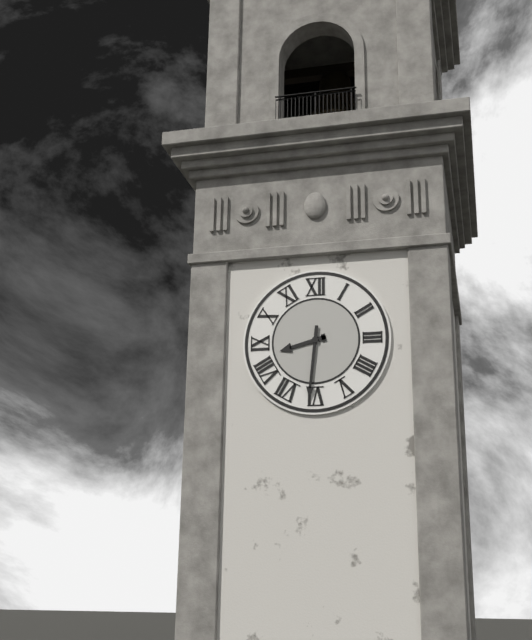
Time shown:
{"hour": 8, "minute": 31}
